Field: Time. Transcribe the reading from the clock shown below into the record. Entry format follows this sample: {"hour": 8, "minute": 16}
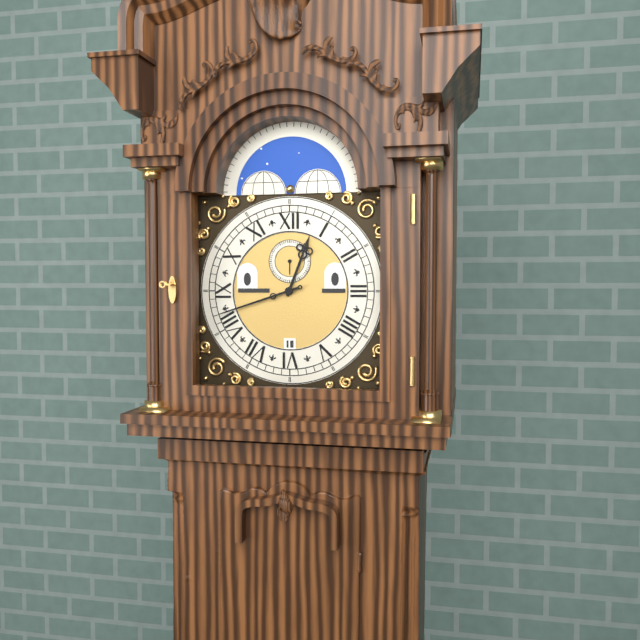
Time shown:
{"hour": 12, "minute": 42}
